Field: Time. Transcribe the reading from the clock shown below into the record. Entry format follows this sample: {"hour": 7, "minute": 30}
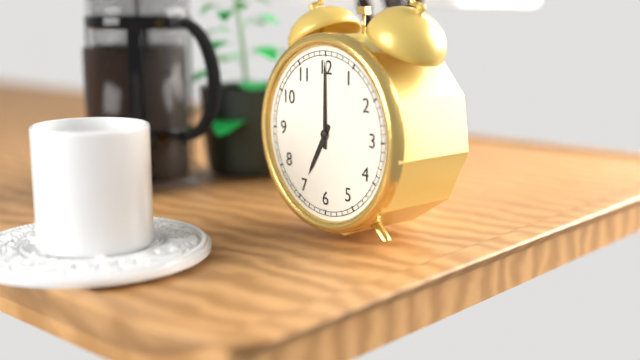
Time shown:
{"hour": 7, "minute": 0}
